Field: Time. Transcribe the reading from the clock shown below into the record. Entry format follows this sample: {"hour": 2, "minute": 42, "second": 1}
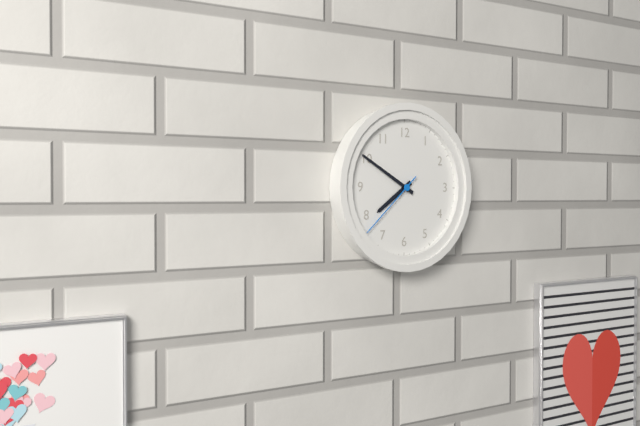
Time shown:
{"hour": 7, "minute": 50, "second": 38}
